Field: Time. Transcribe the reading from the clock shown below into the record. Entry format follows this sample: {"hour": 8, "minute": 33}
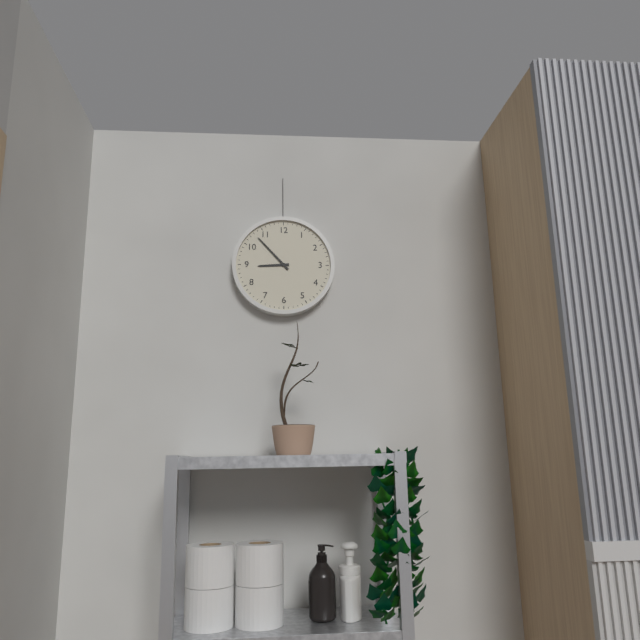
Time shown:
{"hour": 8, "minute": 53}
